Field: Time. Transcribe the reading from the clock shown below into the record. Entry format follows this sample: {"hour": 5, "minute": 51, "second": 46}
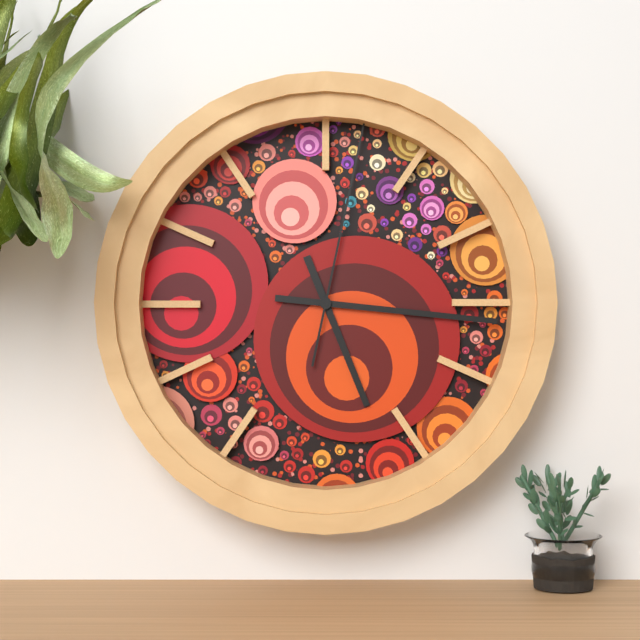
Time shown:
{"hour": 5, "minute": 16, "second": 2}
